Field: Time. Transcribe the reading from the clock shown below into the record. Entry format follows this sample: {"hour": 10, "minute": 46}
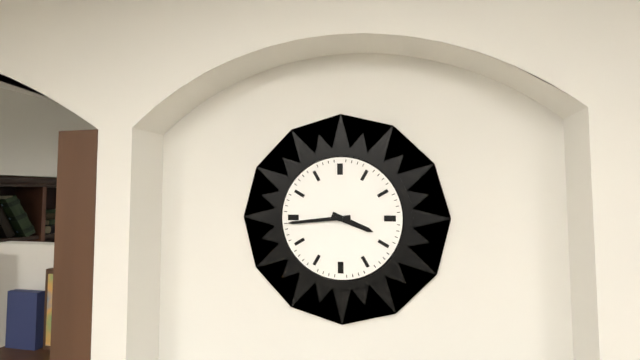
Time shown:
{"hour": 3, "minute": 44}
